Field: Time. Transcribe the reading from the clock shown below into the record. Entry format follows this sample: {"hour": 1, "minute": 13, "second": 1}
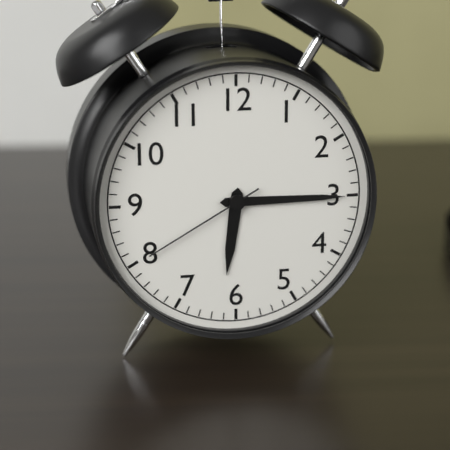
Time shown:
{"hour": 6, "minute": 15, "second": 40}
